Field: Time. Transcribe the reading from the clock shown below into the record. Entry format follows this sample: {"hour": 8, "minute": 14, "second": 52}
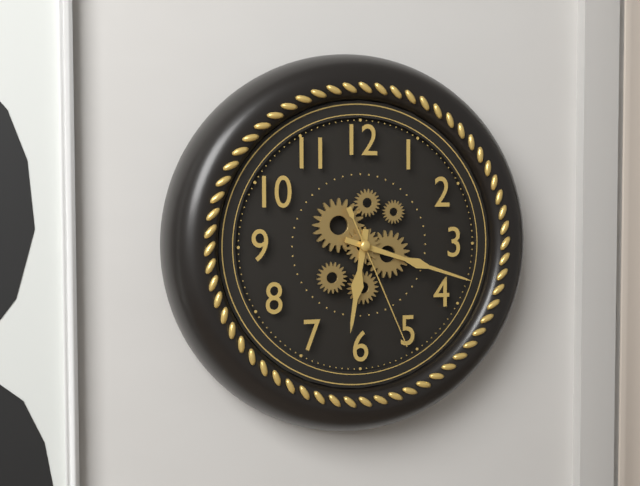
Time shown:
{"hour": 6, "minute": 18, "second": 26}
